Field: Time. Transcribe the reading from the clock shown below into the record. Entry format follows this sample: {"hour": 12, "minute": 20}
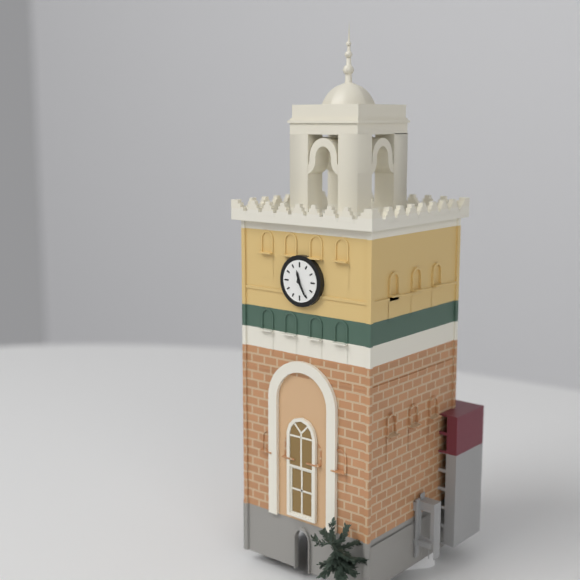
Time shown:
{"hour": 11, "minute": 25}
